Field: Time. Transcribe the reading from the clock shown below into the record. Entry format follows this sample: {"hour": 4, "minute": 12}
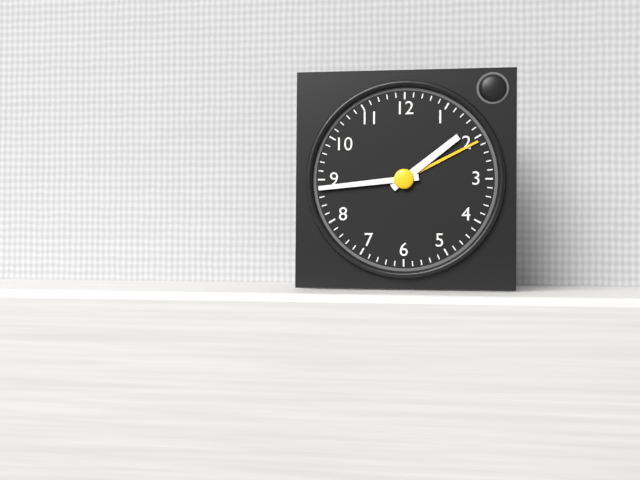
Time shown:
{"hour": 1, "minute": 44}
